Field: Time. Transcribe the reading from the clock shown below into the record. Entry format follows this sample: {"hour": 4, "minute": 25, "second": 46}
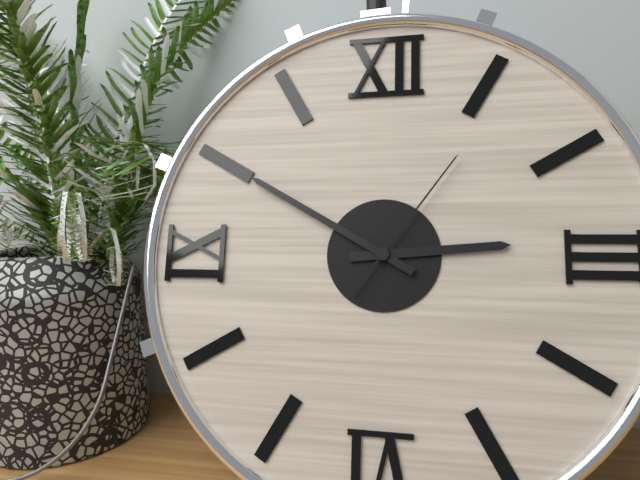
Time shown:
{"hour": 2, "minute": 50, "second": 6}
